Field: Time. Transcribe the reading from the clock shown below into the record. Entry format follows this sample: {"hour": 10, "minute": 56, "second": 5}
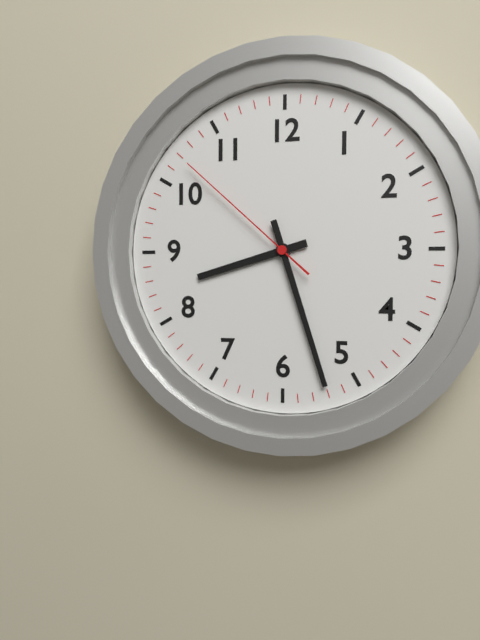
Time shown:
{"hour": 8, "minute": 27, "second": 52}
